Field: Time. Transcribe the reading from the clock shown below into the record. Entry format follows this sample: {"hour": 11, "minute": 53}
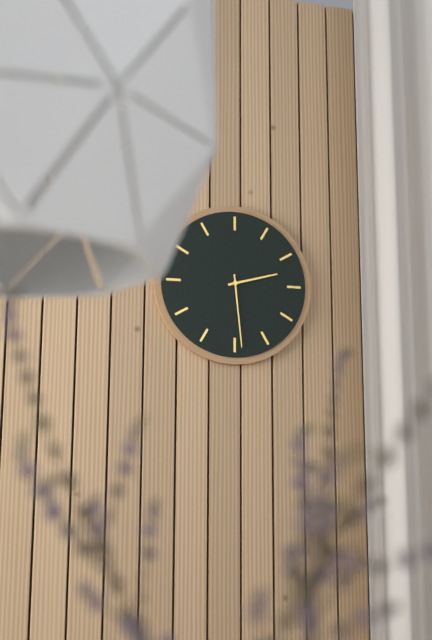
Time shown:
{"hour": 2, "minute": 29}
